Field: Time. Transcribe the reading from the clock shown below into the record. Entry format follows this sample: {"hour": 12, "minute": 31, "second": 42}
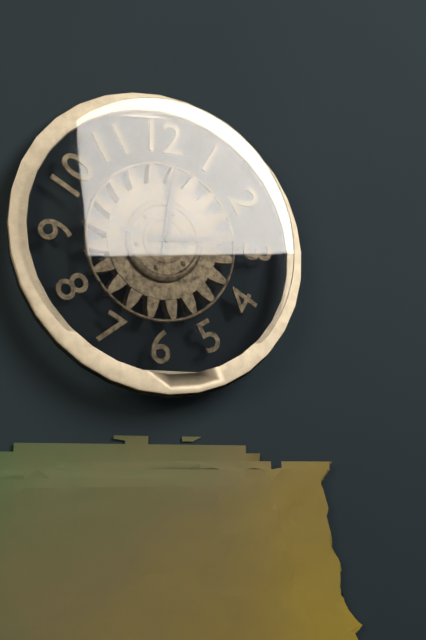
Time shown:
{"hour": 12, "minute": 14, "second": 16}
